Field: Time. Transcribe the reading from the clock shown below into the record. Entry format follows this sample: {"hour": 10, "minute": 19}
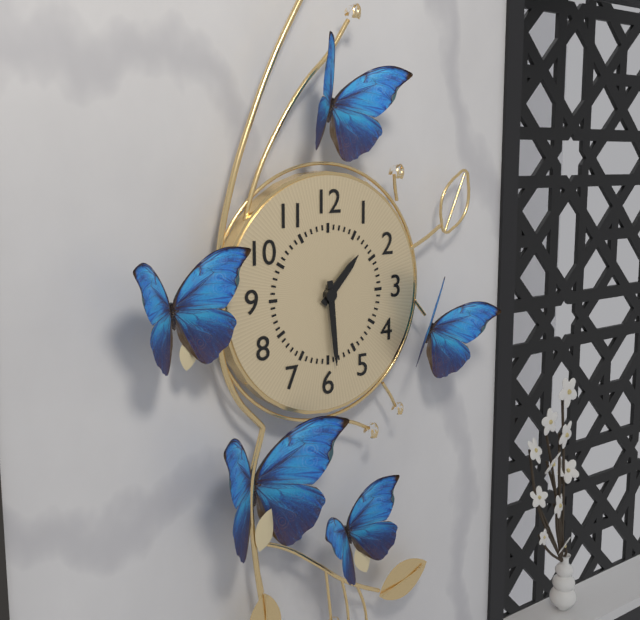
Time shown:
{"hour": 1, "minute": 29}
